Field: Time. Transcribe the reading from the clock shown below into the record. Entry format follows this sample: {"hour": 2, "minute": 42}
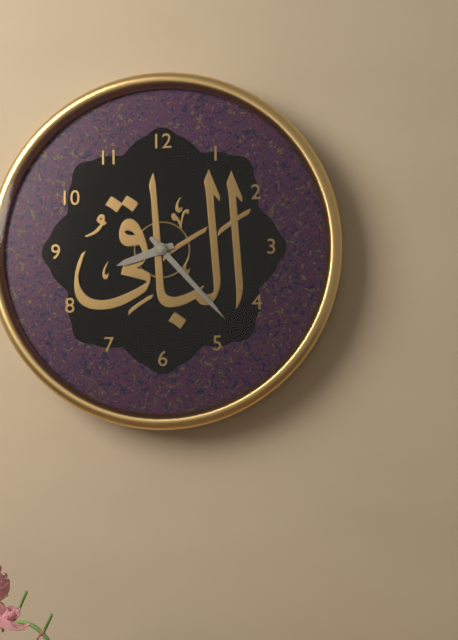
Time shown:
{"hour": 8, "minute": 23}
